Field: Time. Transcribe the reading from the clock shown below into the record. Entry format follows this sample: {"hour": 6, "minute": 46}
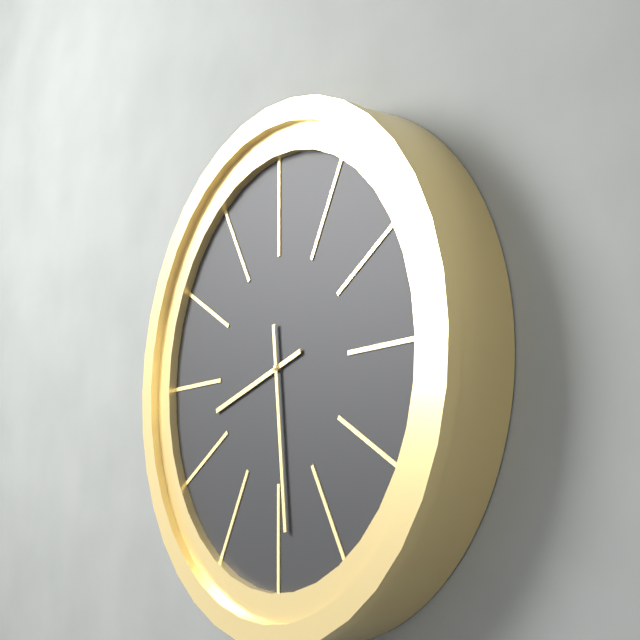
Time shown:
{"hour": 8, "minute": 29}
